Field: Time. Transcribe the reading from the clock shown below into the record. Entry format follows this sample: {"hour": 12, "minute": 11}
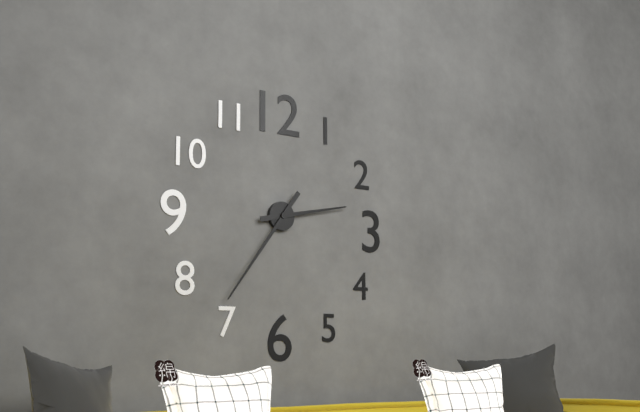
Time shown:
{"hour": 2, "minute": 36}
